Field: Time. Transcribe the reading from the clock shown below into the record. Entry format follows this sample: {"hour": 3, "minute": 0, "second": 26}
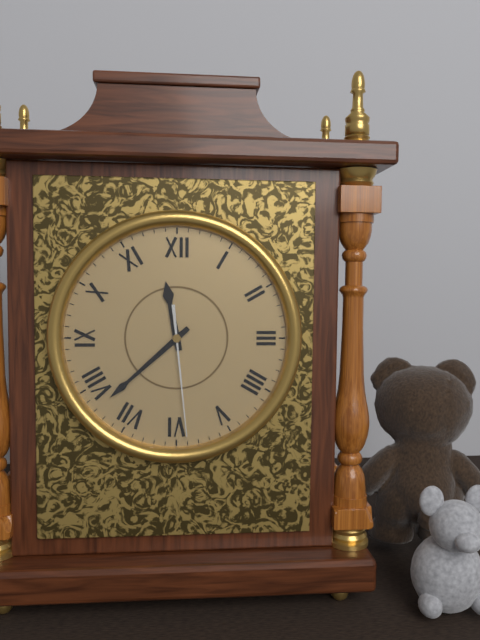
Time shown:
{"hour": 11, "minute": 38, "second": 29}
